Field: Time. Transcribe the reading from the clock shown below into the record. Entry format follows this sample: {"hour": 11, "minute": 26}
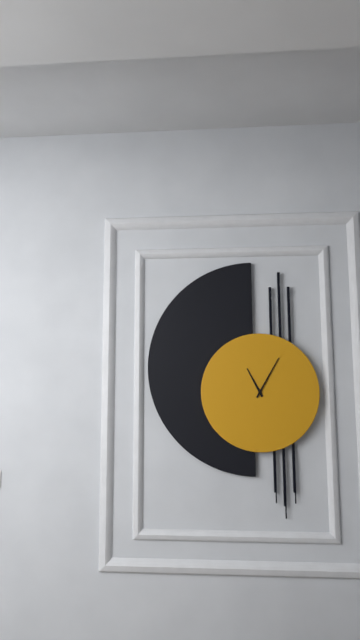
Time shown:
{"hour": 11, "minute": 5}
